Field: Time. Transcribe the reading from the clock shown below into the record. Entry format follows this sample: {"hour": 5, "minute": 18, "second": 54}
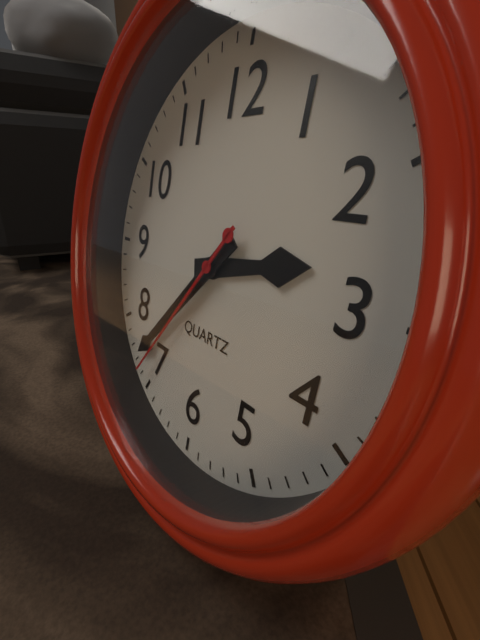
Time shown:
{"hour": 2, "minute": 37, "second": 36}
